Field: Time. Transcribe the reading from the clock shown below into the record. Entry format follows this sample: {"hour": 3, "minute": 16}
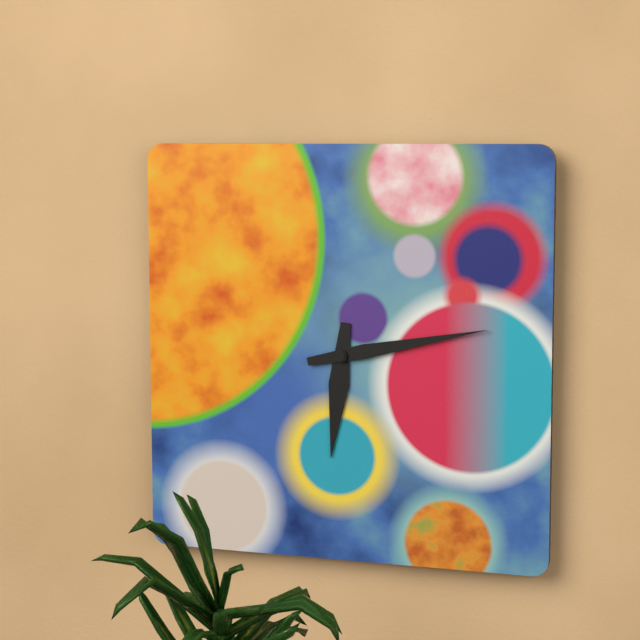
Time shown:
{"hour": 6, "minute": 13}
